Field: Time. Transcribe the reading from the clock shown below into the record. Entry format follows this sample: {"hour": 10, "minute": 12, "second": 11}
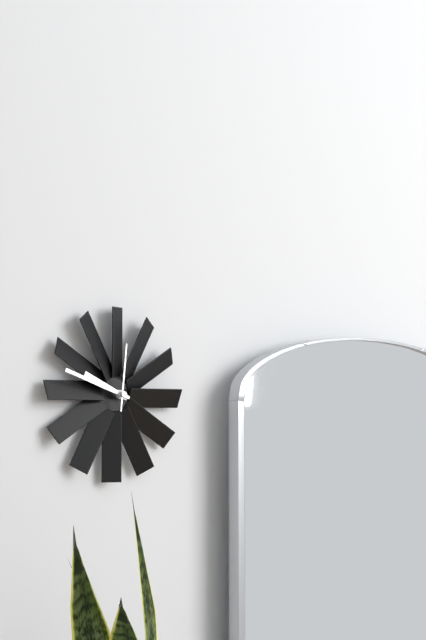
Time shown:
{"hour": 9, "minute": 48, "second": 1}
